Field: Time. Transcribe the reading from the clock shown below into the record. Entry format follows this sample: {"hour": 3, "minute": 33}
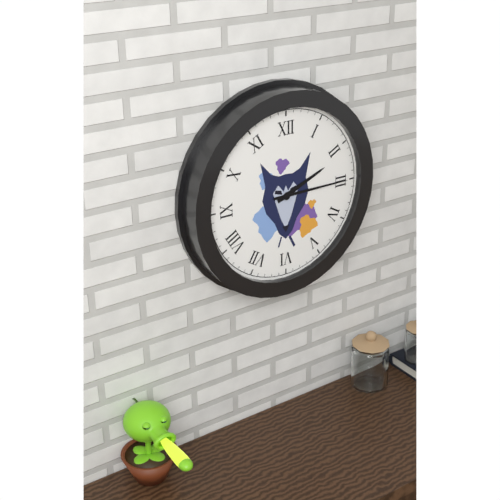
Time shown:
{"hour": 2, "minute": 15}
